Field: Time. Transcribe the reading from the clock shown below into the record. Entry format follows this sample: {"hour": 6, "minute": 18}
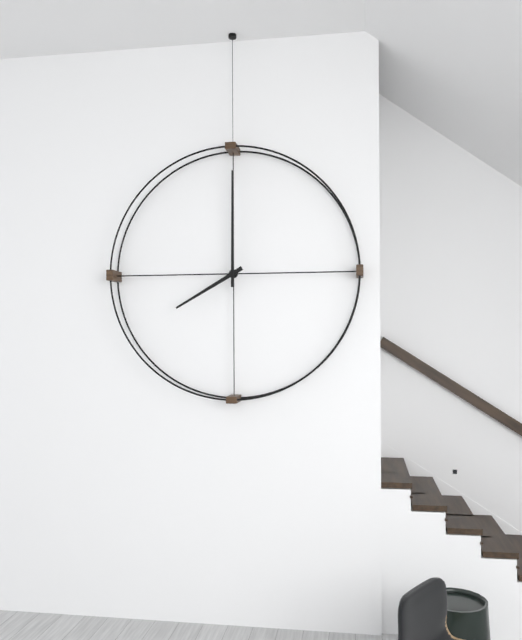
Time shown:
{"hour": 8, "minute": 0}
